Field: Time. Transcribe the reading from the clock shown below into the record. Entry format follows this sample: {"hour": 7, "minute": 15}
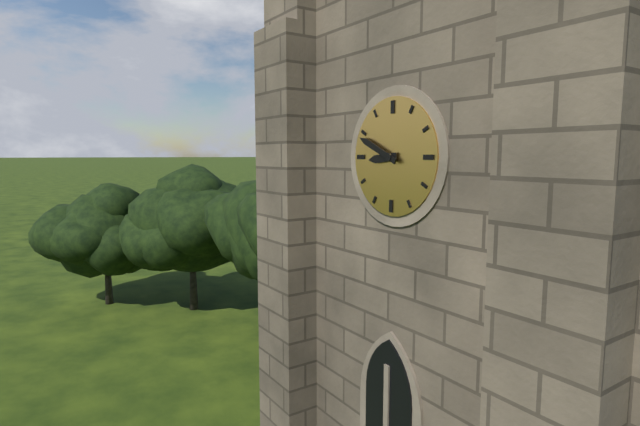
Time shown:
{"hour": 8, "minute": 49}
